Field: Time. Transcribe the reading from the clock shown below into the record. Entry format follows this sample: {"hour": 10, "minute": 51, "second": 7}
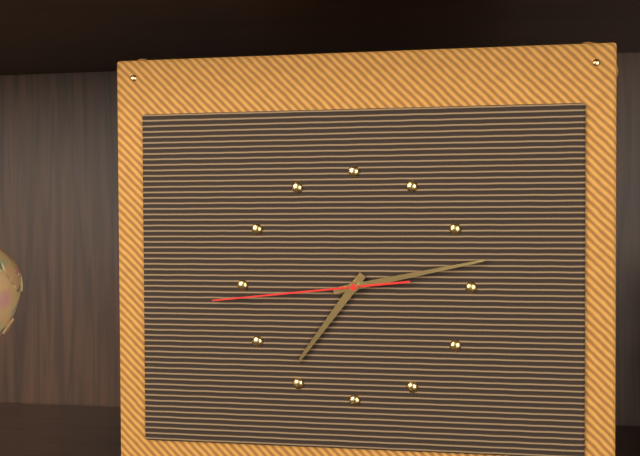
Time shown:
{"hour": 7, "minute": 13, "second": 44}
